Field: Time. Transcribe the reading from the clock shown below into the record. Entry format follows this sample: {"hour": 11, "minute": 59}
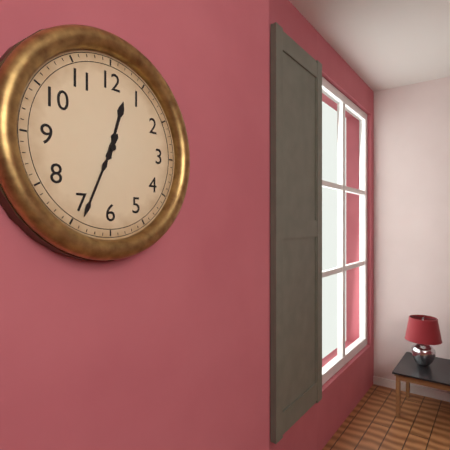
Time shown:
{"hour": 12, "minute": 34}
